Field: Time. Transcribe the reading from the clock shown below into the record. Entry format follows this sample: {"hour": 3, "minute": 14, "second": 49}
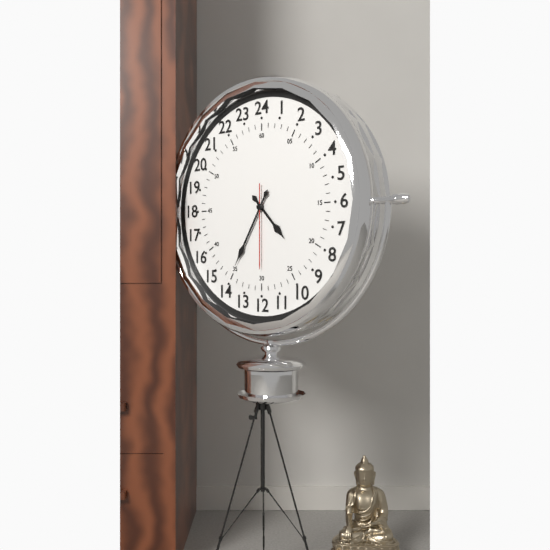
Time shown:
{"hour": 4, "minute": 35, "second": 30}
